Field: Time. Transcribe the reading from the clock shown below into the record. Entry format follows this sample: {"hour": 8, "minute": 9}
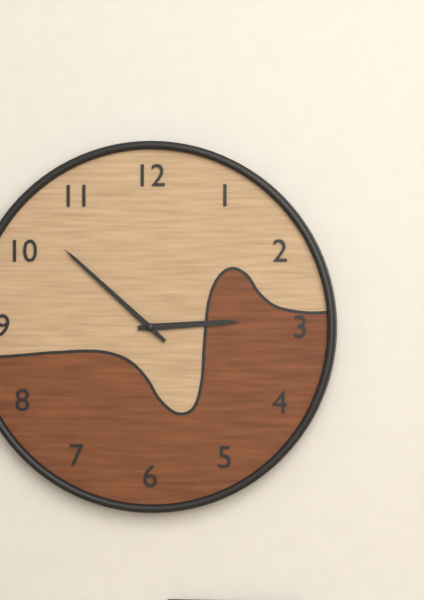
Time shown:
{"hour": 2, "minute": 52}
